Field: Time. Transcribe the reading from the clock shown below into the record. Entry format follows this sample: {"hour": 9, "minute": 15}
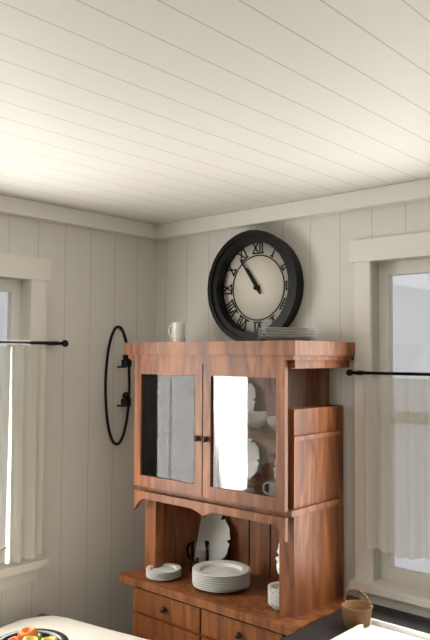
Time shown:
{"hour": 10, "minute": 54}
